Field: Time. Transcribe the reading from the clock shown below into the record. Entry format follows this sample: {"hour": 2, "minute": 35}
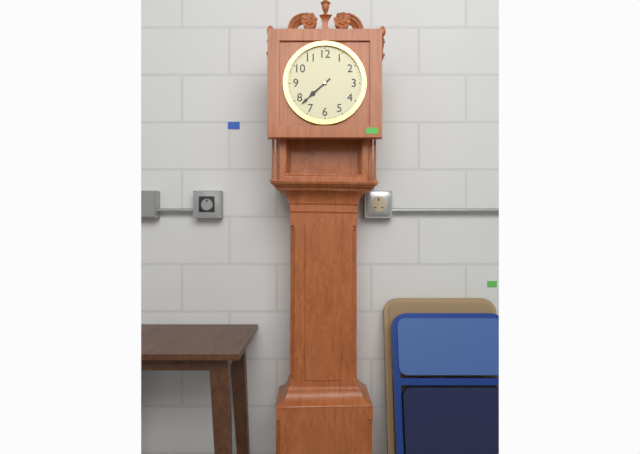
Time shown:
{"hour": 7, "minute": 38}
